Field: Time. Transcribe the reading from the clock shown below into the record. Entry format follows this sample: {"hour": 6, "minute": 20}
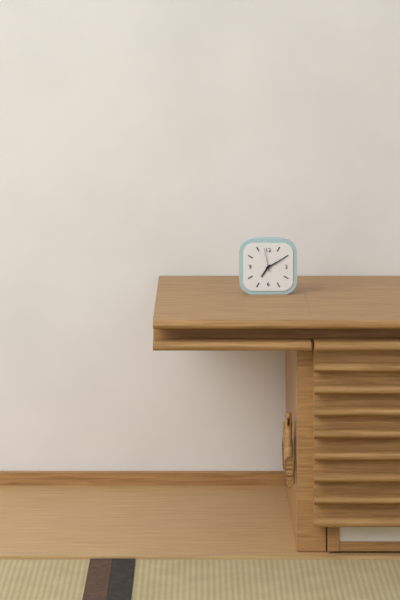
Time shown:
{"hour": 7, "minute": 10}
